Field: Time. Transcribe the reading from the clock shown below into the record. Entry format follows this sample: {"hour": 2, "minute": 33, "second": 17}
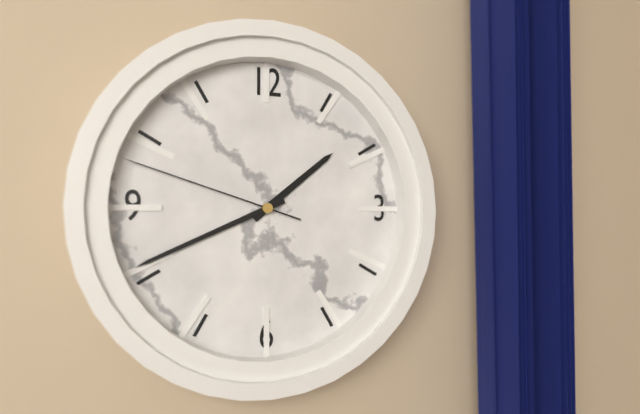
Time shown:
{"hour": 1, "minute": 41, "second": 48}
